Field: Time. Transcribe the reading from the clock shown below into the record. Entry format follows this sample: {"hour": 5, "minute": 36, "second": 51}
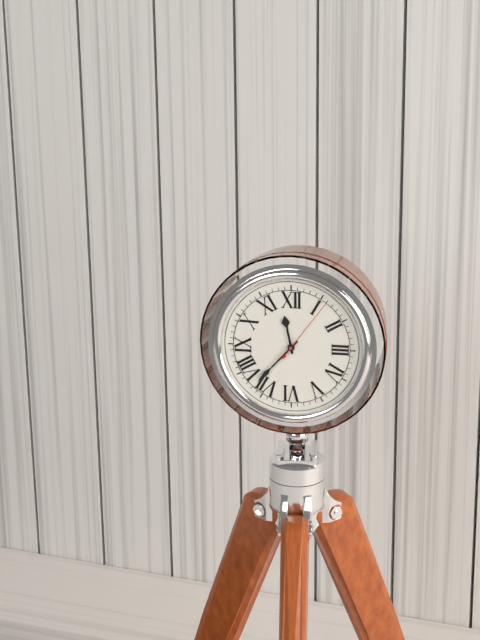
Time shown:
{"hour": 11, "minute": 37, "second": 6}
